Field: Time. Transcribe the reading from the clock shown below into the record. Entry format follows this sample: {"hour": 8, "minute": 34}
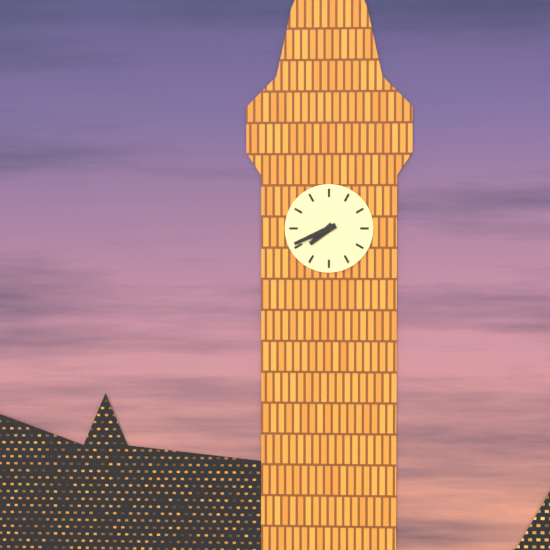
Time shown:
{"hour": 7, "minute": 41}
